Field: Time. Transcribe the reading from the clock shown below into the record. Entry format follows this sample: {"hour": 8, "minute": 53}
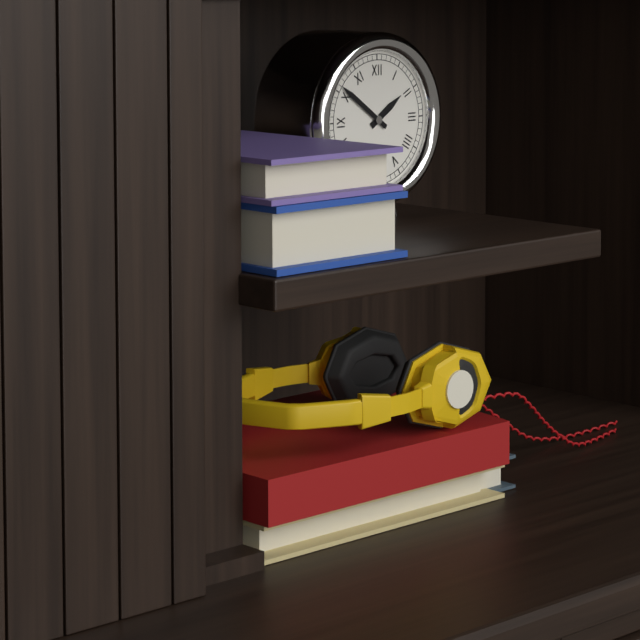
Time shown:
{"hour": 1, "minute": 51}
